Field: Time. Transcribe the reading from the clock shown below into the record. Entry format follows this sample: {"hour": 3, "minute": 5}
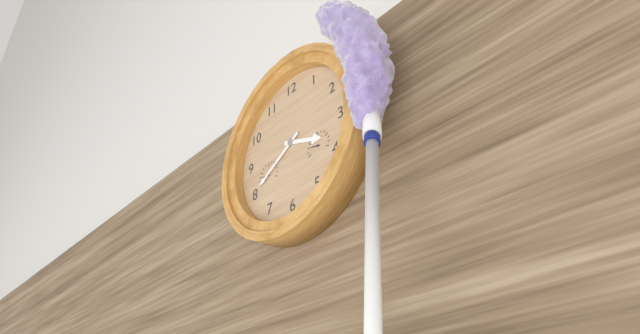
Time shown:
{"hour": 3, "minute": 40}
